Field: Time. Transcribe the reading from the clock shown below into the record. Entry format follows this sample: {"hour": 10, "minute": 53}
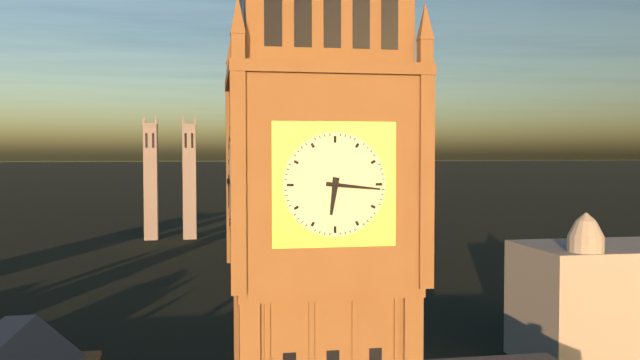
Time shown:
{"hour": 6, "minute": 16}
